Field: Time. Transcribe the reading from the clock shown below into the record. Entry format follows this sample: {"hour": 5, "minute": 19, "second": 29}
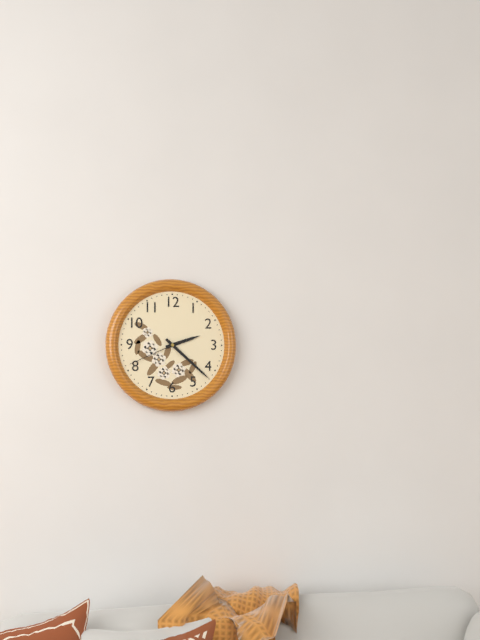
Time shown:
{"hour": 2, "minute": 22, "second": 41}
